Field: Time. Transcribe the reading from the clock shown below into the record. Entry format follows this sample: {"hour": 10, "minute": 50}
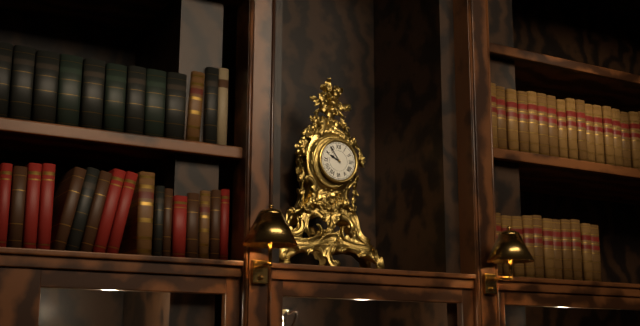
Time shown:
{"hour": 9, "minute": 54}
